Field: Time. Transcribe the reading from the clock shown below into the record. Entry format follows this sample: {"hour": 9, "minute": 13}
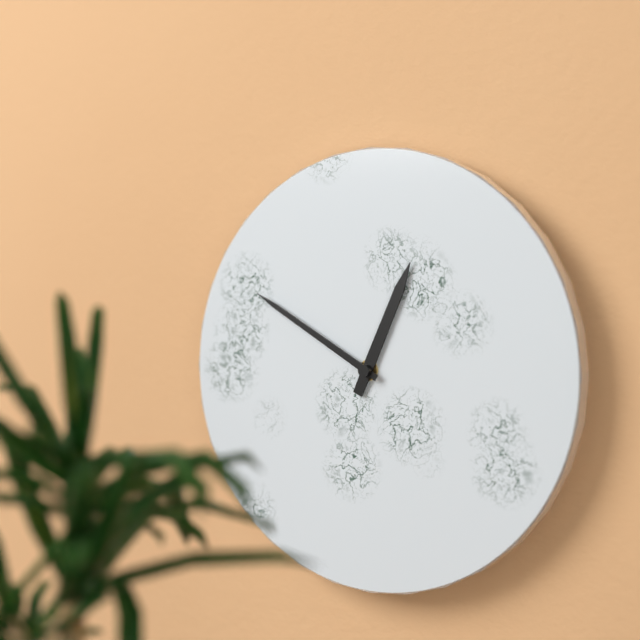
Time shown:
{"hour": 12, "minute": 50}
